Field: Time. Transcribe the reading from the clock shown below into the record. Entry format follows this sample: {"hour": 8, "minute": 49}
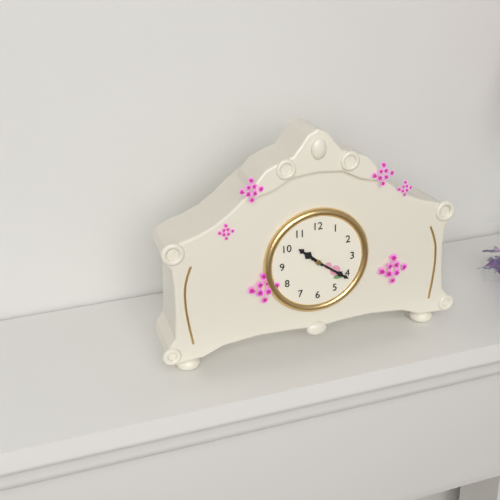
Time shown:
{"hour": 10, "minute": 21}
